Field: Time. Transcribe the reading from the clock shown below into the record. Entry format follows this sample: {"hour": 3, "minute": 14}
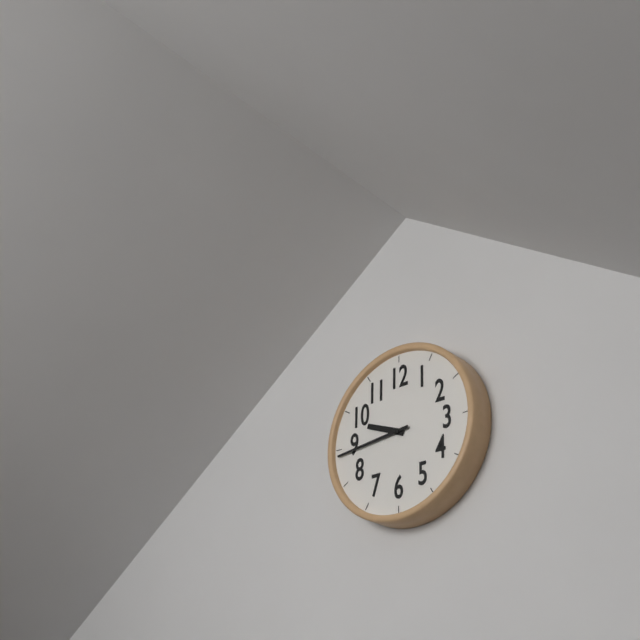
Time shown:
{"hour": 9, "minute": 44}
